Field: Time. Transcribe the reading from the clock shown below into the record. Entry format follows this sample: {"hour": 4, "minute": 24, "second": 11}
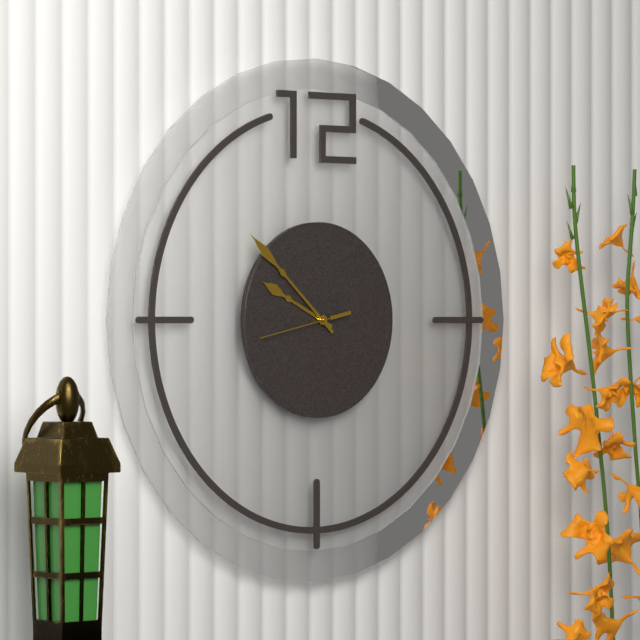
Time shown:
{"hour": 9, "minute": 52, "second": 43}
